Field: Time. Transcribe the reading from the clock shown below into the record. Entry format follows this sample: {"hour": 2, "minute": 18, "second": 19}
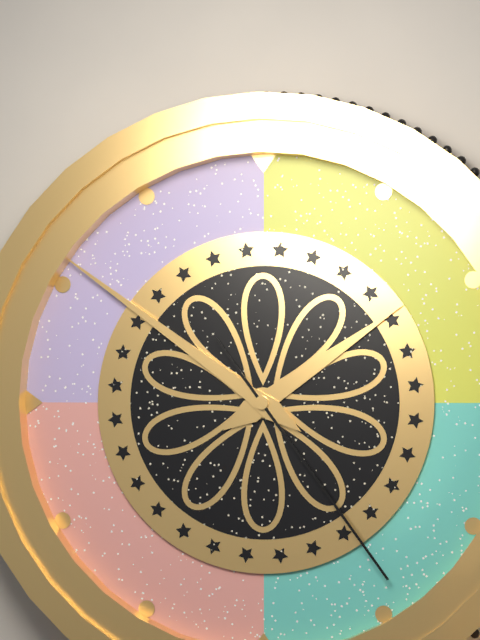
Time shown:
{"hour": 1, "minute": 51, "second": 24}
